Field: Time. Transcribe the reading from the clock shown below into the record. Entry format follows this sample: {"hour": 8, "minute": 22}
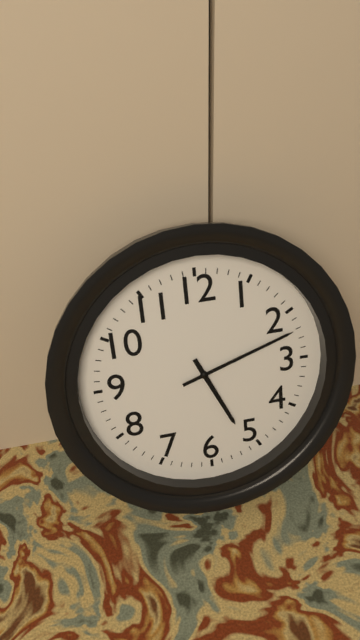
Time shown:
{"hour": 5, "minute": 12}
